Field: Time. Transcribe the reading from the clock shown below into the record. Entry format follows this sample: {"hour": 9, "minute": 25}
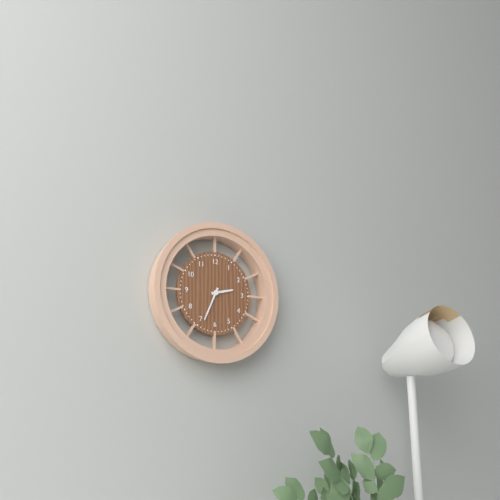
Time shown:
{"hour": 2, "minute": 34}
